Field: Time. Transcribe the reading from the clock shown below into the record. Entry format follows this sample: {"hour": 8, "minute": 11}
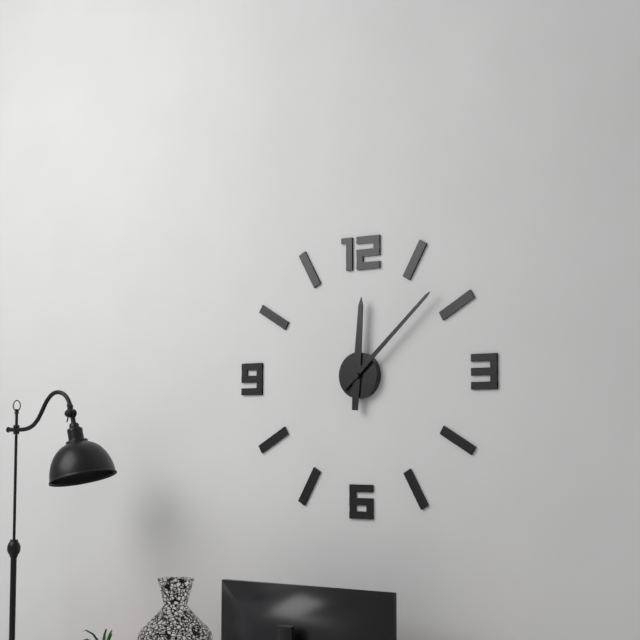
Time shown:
{"hour": 12, "minute": 8}
